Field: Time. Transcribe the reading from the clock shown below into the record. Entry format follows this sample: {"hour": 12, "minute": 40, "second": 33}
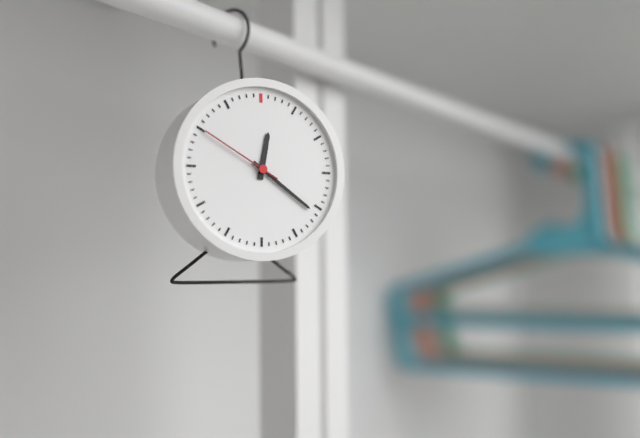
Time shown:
{"hour": 12, "minute": 21, "second": 50}
